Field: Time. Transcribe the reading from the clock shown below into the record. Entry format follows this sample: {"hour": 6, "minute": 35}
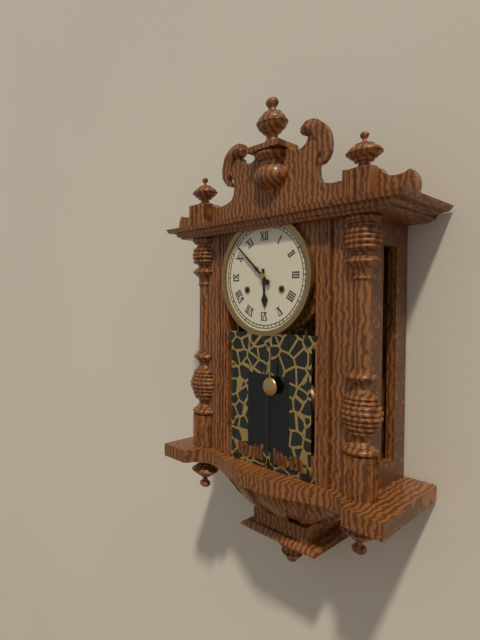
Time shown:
{"hour": 5, "minute": 52}
